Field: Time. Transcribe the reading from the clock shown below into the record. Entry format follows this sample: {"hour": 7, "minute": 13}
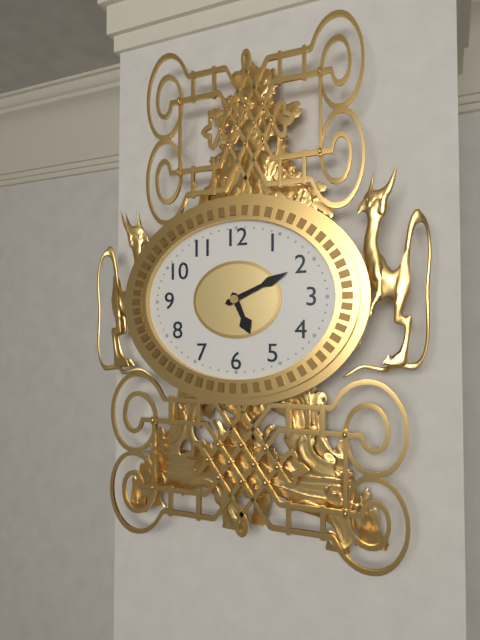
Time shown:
{"hour": 5, "minute": 11}
